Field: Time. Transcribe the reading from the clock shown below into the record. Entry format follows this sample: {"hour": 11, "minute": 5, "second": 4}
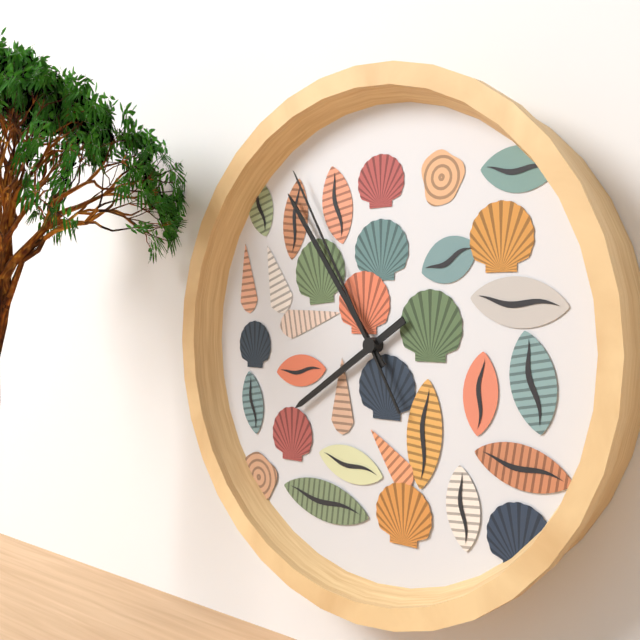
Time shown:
{"hour": 7, "minute": 54, "second": 55}
